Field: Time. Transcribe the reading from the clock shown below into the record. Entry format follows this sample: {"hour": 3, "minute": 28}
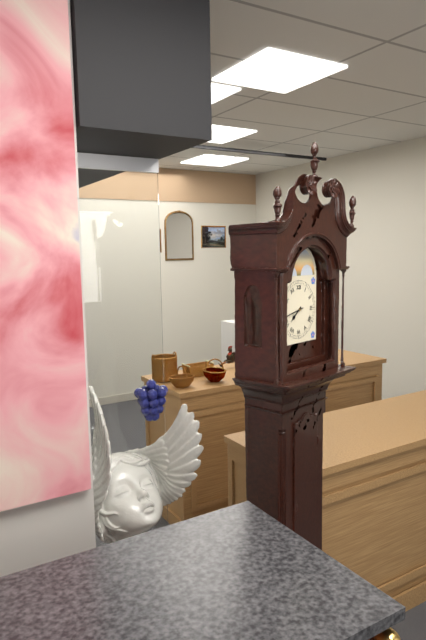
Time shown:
{"hour": 7, "minute": 43}
